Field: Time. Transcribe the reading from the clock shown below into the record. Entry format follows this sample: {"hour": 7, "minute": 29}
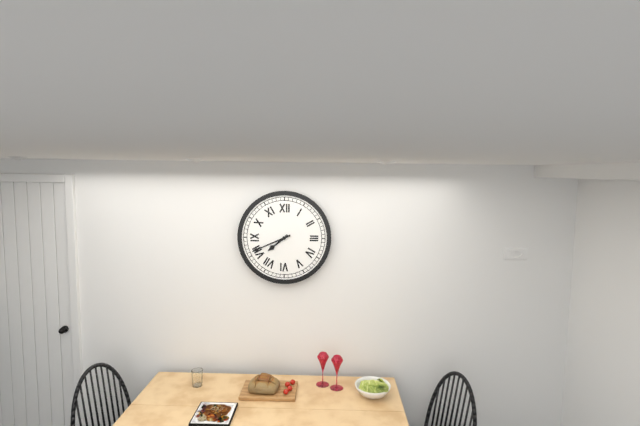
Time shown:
{"hour": 7, "minute": 41}
